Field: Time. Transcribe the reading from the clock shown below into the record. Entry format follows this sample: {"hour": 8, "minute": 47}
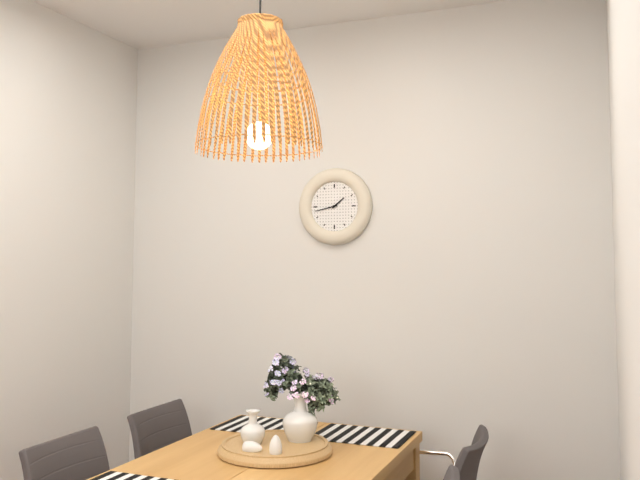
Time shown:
{"hour": 1, "minute": 43}
